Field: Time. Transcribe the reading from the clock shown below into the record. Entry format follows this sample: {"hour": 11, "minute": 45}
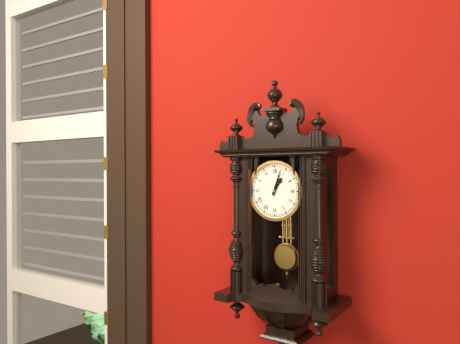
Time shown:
{"hour": 1, "minute": 3}
